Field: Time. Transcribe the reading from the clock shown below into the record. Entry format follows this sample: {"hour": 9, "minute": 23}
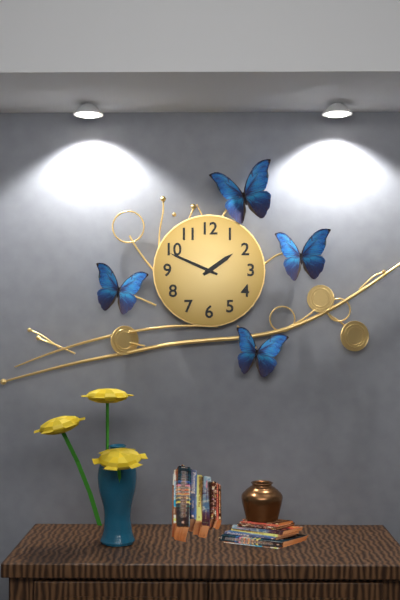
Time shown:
{"hour": 1, "minute": 49}
